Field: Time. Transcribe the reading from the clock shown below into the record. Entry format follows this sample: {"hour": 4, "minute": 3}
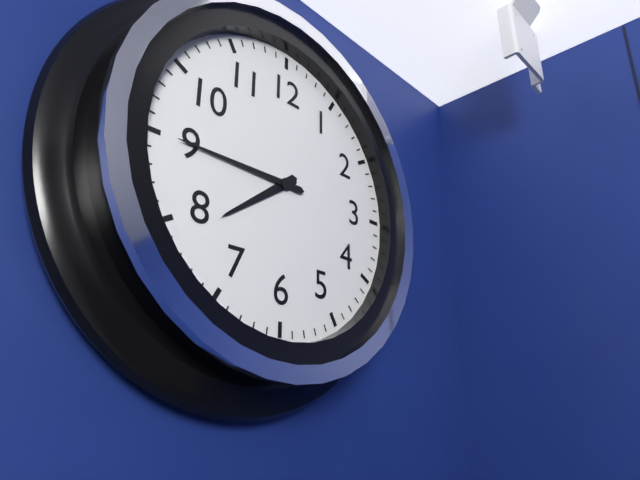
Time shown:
{"hour": 7, "minute": 45}
